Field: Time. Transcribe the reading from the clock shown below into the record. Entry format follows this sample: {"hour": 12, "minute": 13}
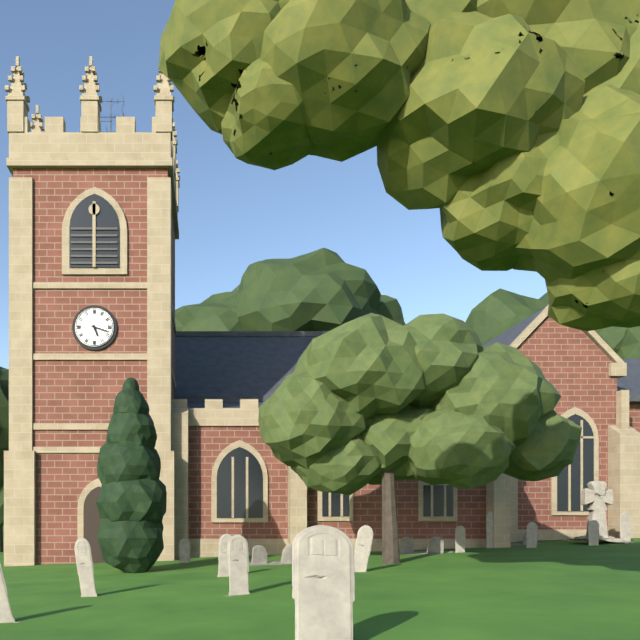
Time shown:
{"hour": 5, "minute": 18}
